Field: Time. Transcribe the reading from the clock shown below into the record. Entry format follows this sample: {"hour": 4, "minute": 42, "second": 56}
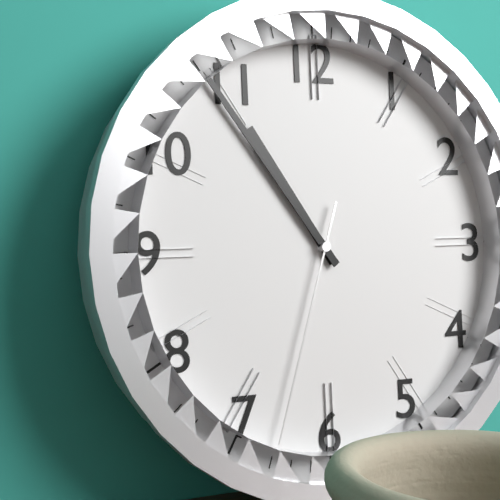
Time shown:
{"hour": 10, "minute": 54, "second": 33}
